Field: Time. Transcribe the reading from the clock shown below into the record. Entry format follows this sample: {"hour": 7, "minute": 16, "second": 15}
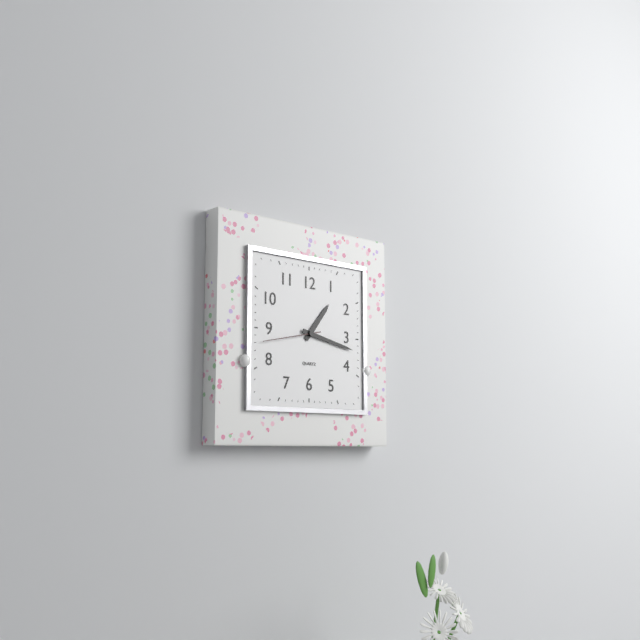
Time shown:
{"hour": 1, "minute": 17, "second": 43}
